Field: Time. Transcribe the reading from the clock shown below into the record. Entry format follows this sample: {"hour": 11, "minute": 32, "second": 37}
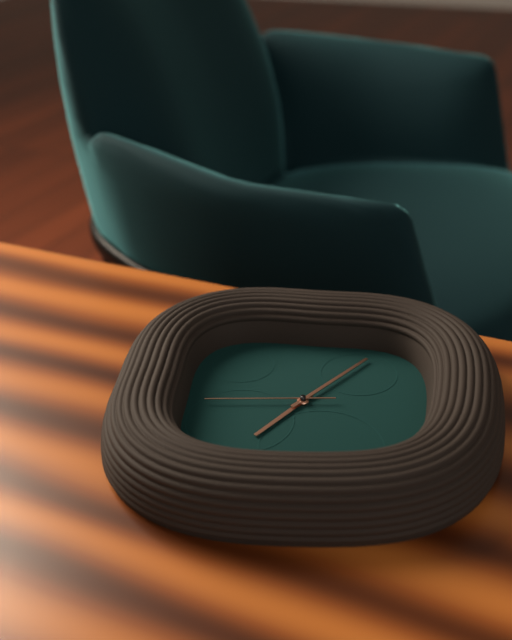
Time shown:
{"hour": 7, "minute": 6, "second": 44}
